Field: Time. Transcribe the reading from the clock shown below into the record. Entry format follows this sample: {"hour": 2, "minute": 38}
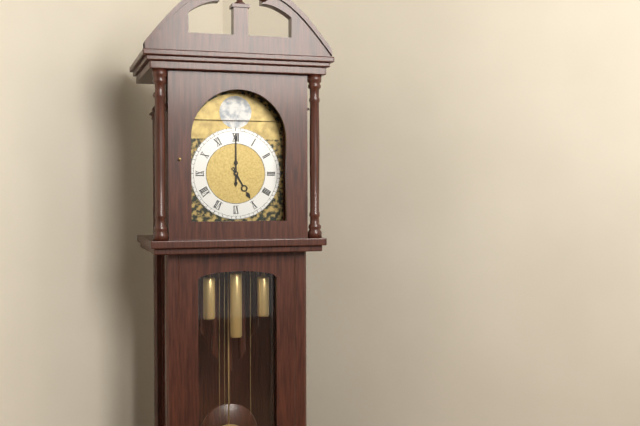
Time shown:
{"hour": 5, "minute": 0}
